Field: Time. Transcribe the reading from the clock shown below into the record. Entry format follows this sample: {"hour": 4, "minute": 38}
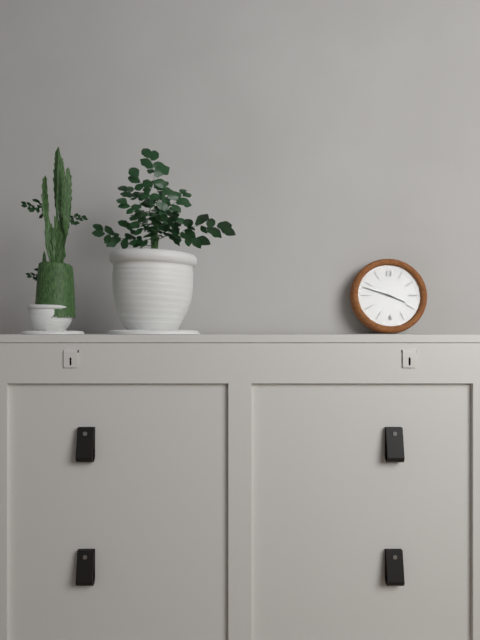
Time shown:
{"hour": 3, "minute": 48}
